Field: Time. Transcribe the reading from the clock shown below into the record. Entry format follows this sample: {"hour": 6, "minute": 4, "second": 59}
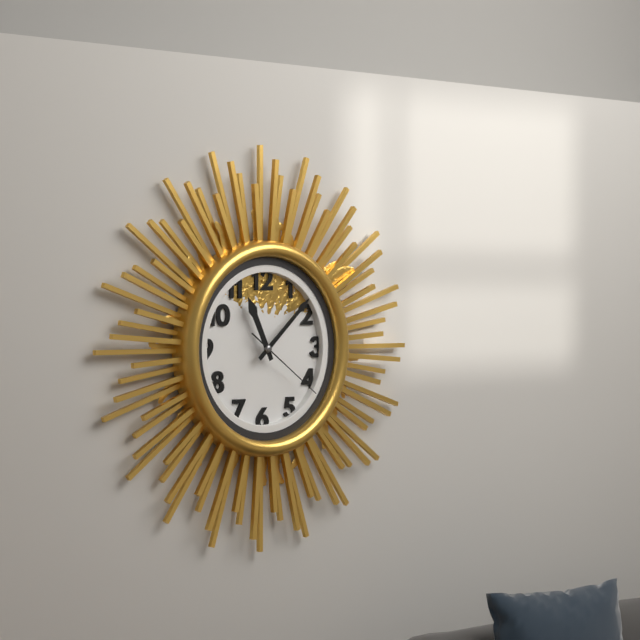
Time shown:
{"hour": 11, "minute": 8, "second": 21}
